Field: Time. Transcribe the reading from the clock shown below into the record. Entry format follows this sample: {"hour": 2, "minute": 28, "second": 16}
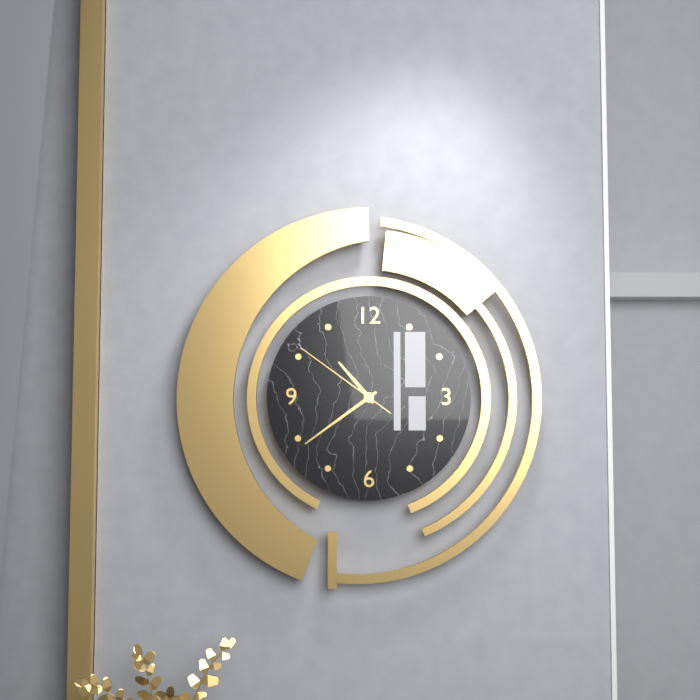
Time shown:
{"hour": 10, "minute": 39, "second": 51}
